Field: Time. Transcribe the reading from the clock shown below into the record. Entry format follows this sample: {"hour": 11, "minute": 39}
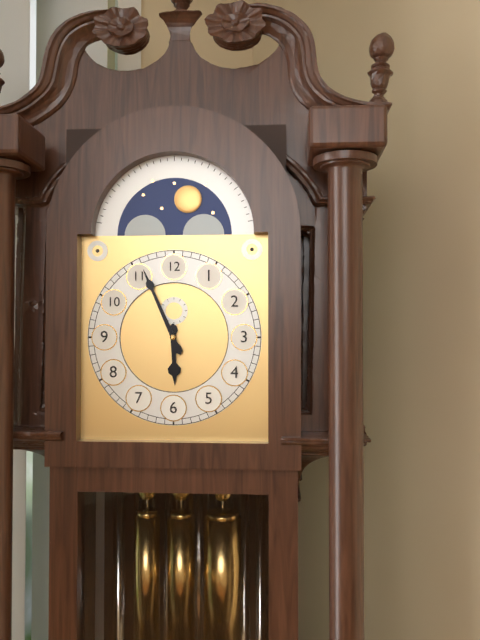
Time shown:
{"hour": 5, "minute": 56}
